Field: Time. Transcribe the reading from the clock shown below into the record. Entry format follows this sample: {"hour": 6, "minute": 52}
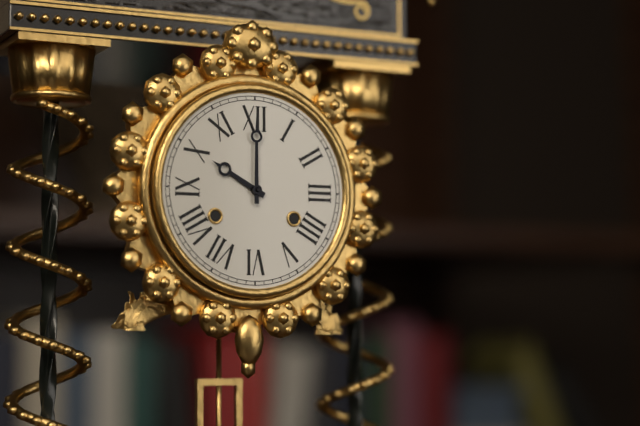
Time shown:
{"hour": 10, "minute": 0}
